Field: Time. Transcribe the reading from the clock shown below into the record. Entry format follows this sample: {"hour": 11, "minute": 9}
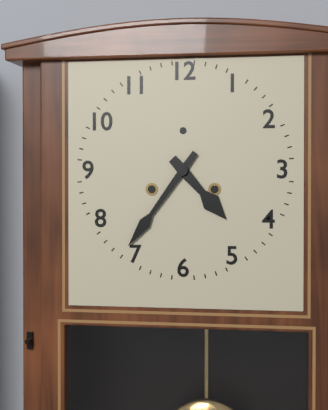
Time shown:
{"hour": 4, "minute": 36}
